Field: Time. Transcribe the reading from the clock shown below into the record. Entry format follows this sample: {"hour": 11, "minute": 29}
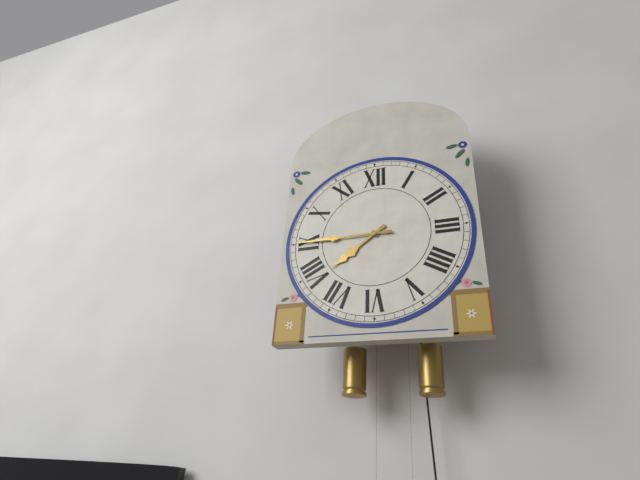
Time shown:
{"hour": 7, "minute": 45}
